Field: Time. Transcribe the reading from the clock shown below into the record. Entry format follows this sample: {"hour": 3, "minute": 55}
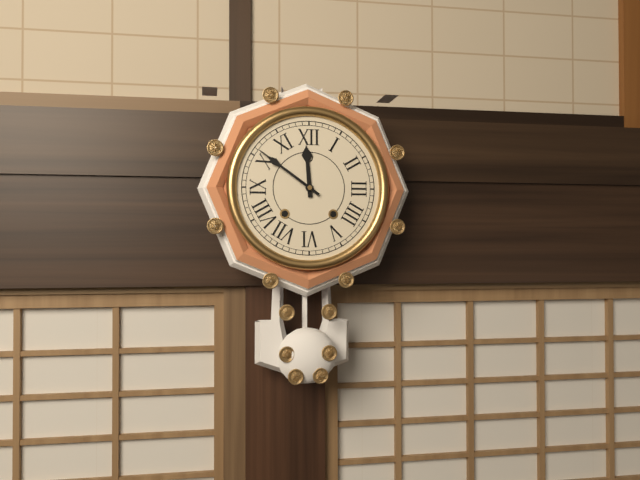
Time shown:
{"hour": 11, "minute": 51}
